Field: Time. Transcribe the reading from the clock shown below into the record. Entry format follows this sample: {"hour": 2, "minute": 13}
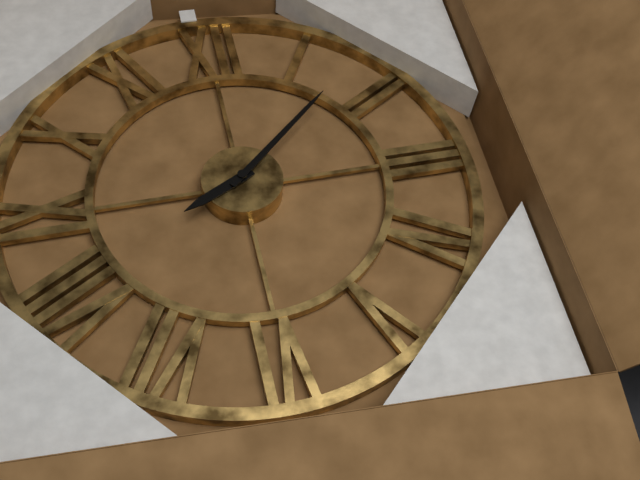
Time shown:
{"hour": 8, "minute": 8}
